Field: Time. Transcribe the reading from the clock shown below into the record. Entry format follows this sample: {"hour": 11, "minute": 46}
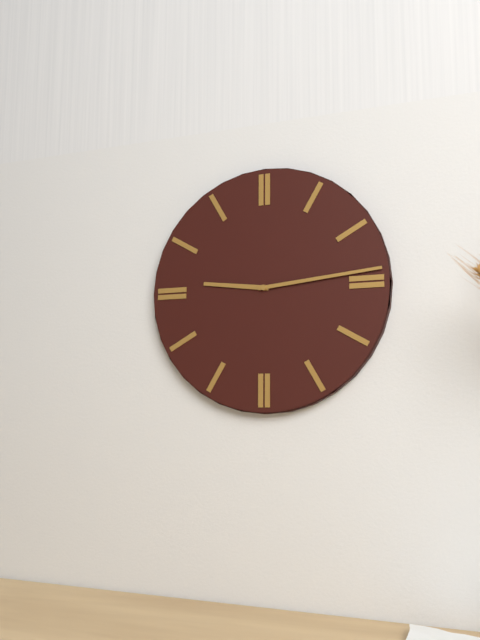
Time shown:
{"hour": 9, "minute": 14}
